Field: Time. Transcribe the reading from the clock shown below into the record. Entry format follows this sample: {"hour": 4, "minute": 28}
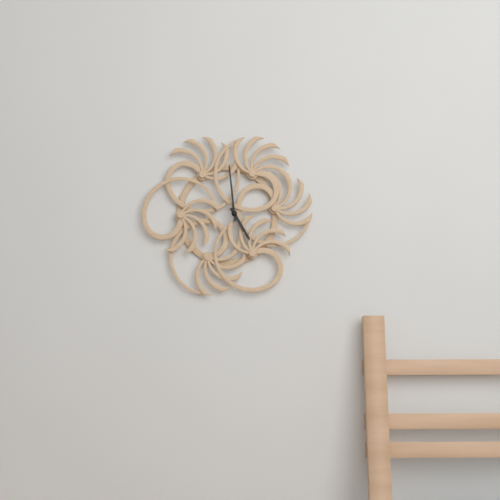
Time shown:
{"hour": 4, "minute": 59}
